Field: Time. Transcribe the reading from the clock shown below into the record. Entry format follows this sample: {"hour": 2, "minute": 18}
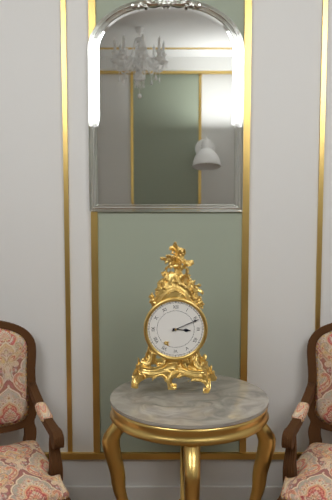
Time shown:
{"hour": 3, "minute": 11}
